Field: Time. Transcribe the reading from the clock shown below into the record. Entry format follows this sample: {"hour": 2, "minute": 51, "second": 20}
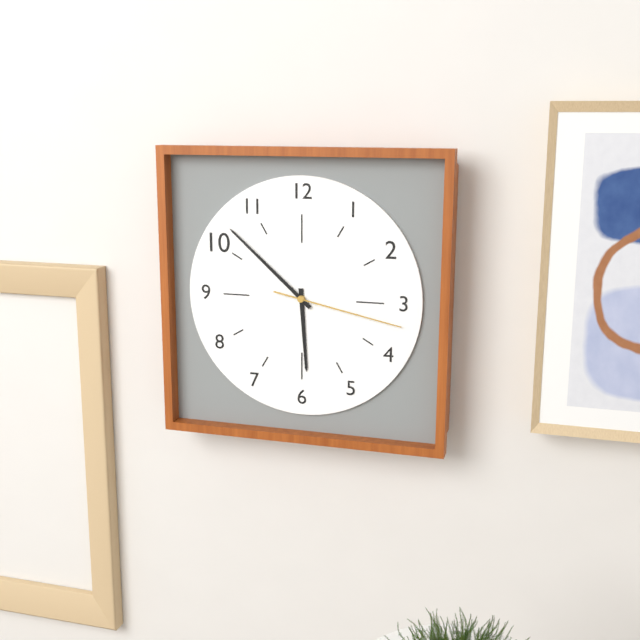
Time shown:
{"hour": 5, "minute": 52, "second": 17}
